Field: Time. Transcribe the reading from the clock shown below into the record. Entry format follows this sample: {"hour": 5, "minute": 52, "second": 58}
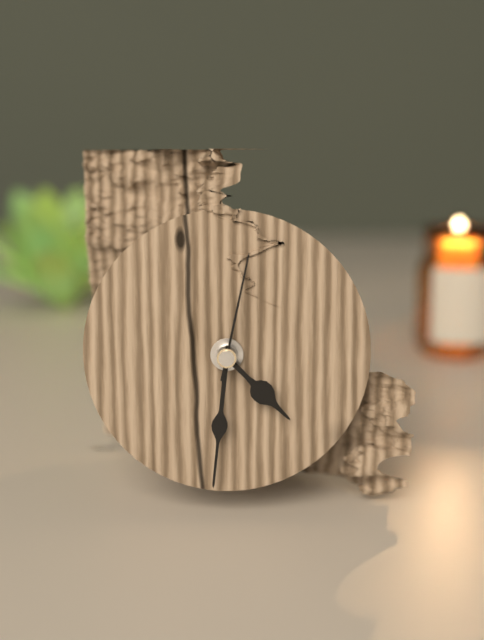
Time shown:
{"hour": 4, "minute": 31, "second": 2}
